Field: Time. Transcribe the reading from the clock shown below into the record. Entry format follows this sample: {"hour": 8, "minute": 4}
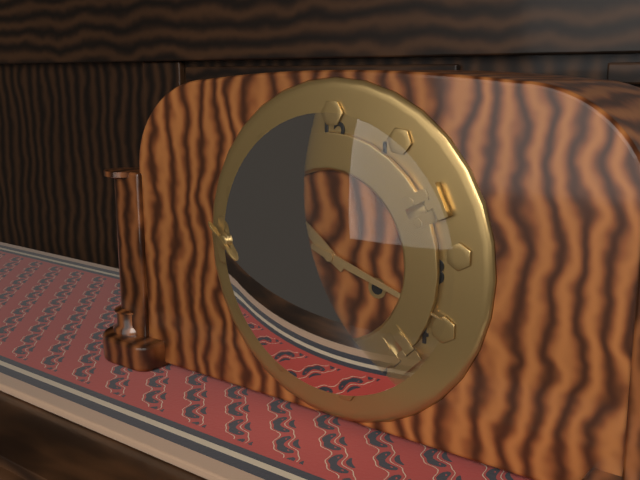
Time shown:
{"hour": 10, "minute": 18}
